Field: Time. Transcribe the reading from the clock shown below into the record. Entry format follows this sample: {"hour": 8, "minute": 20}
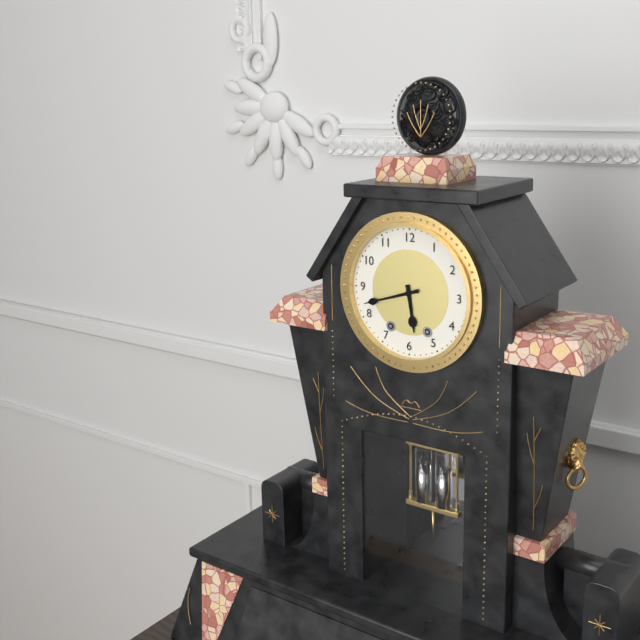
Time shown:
{"hour": 5, "minute": 42}
